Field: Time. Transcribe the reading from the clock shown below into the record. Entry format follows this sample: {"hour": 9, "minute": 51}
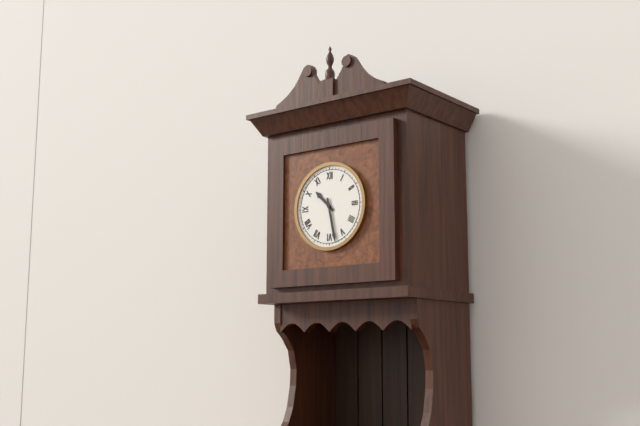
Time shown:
{"hour": 10, "minute": 28}
